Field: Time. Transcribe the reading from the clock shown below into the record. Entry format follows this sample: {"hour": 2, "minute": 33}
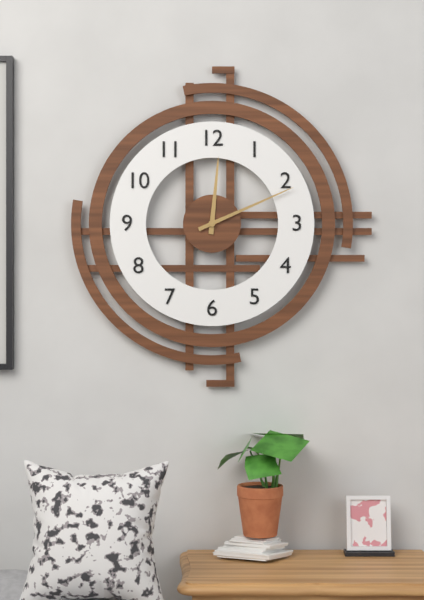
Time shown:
{"hour": 12, "minute": 11}
